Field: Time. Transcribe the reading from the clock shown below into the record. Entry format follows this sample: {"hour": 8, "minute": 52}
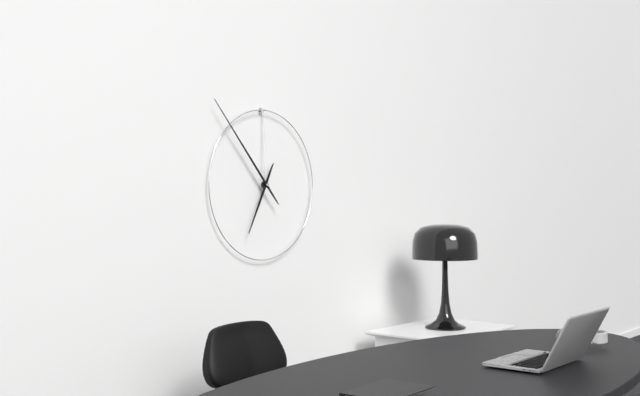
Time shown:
{"hour": 6, "minute": 53}
